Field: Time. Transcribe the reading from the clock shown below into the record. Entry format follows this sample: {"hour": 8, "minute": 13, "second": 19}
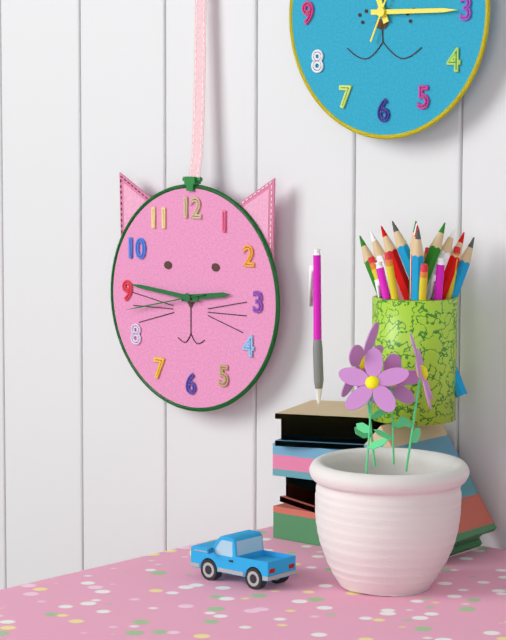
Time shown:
{"hour": 2, "minute": 46, "second": 43}
